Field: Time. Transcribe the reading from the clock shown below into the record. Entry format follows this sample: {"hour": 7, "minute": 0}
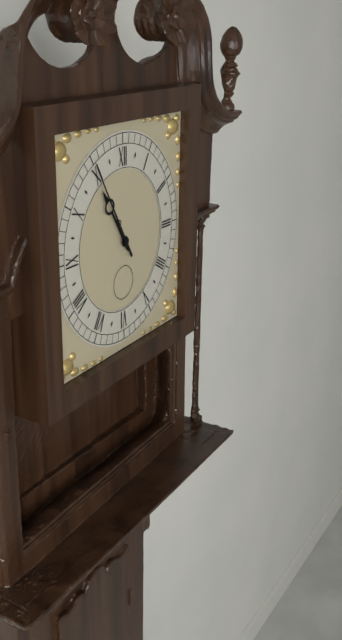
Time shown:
{"hour": 10, "minute": 55}
